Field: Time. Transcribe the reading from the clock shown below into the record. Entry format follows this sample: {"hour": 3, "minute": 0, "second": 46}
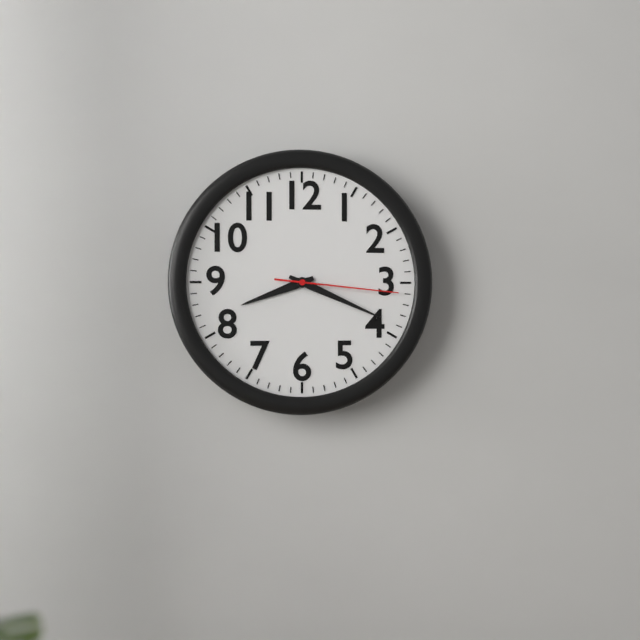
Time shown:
{"hour": 8, "minute": 19, "second": 16}
